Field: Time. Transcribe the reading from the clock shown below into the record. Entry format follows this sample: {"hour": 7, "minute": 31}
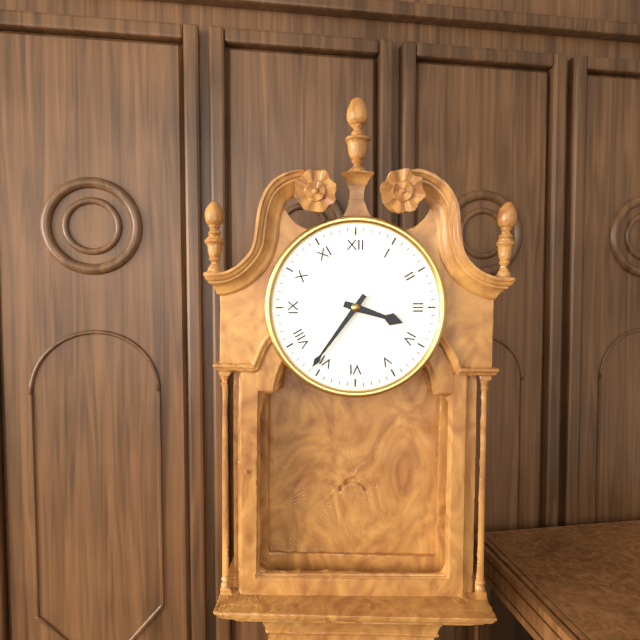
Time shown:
{"hour": 3, "minute": 36}
